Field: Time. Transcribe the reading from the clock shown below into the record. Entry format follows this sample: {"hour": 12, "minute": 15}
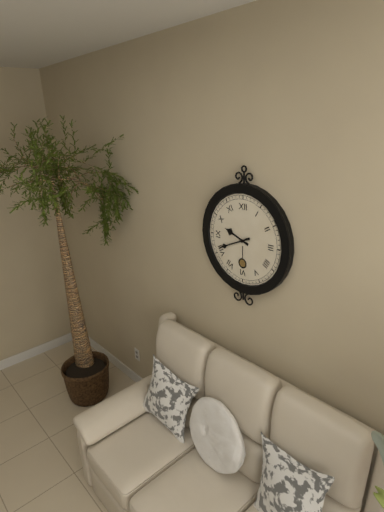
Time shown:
{"hour": 9, "minute": 41}
